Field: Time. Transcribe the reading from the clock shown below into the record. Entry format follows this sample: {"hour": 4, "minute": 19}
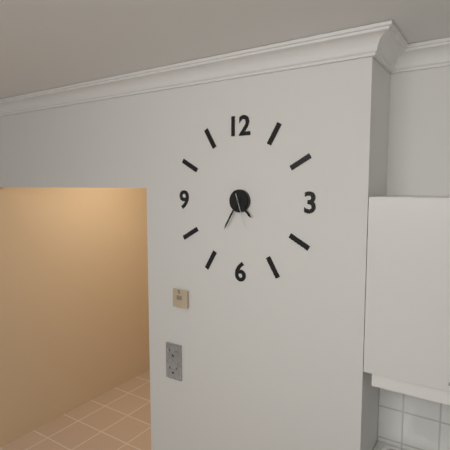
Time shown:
{"hour": 4, "minute": 35}
